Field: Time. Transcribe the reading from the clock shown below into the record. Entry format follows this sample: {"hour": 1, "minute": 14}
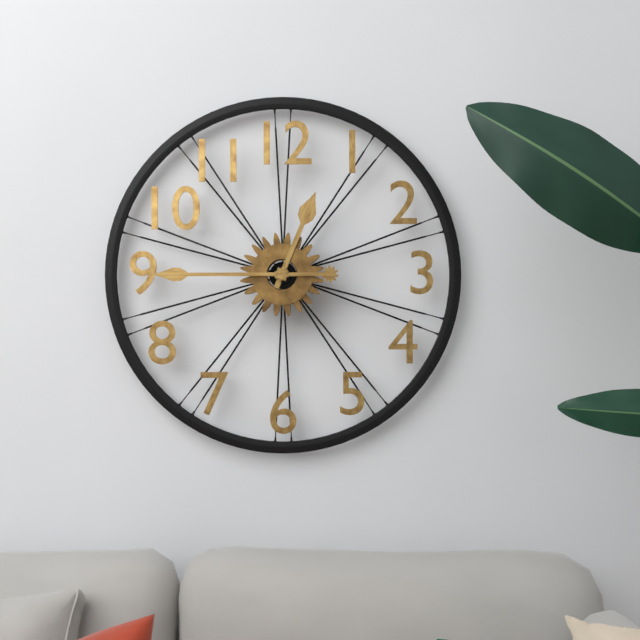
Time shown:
{"hour": 12, "minute": 45}
